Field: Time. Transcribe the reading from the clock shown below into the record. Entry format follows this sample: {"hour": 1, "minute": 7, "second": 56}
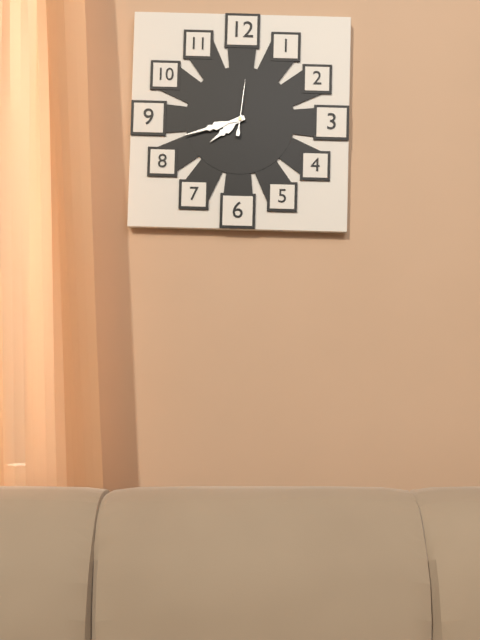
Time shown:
{"hour": 7, "minute": 42, "second": 1}
